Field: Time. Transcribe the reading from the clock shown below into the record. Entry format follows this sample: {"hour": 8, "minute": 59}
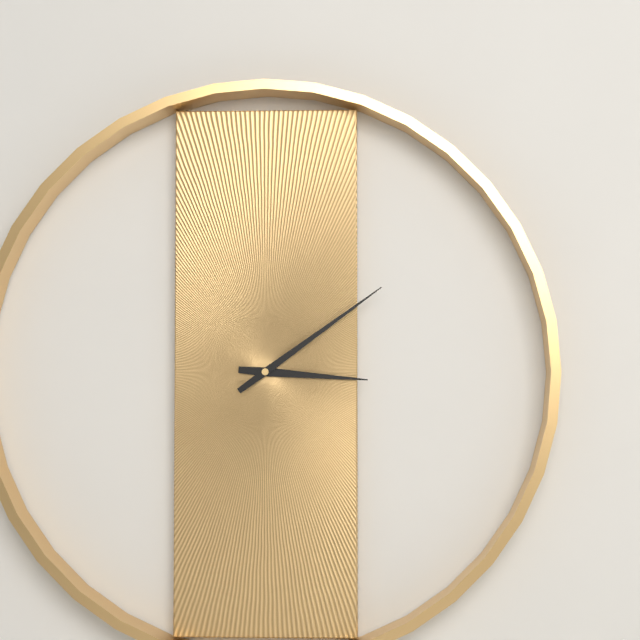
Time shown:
{"hour": 3, "minute": 9}
